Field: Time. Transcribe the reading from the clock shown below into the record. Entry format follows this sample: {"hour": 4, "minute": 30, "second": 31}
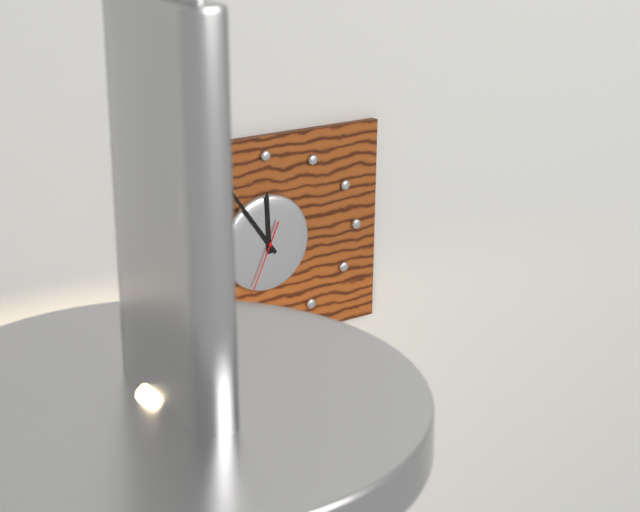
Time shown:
{"hour": 11, "minute": 54, "second": 34}
